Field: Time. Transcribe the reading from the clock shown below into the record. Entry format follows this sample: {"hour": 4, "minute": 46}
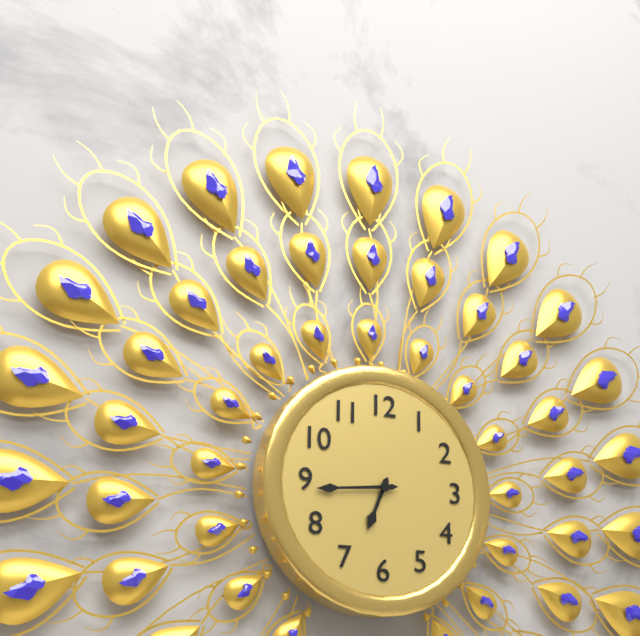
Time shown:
{"hour": 6, "minute": 44}
